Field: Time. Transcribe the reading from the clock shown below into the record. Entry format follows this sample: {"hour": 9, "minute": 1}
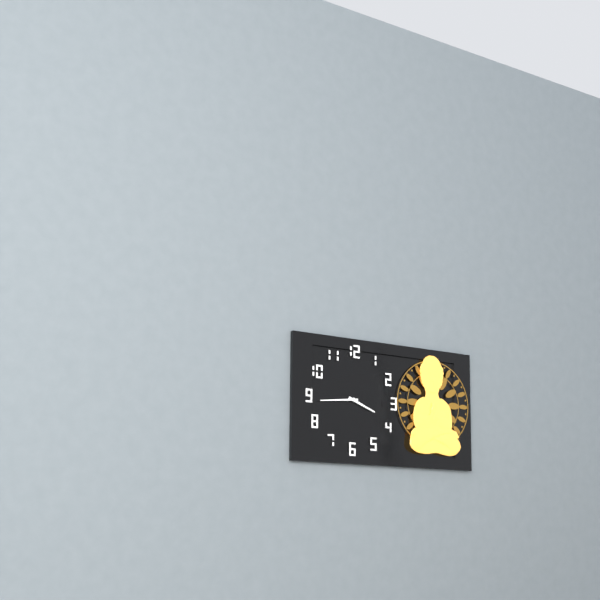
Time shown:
{"hour": 3, "minute": 44}
